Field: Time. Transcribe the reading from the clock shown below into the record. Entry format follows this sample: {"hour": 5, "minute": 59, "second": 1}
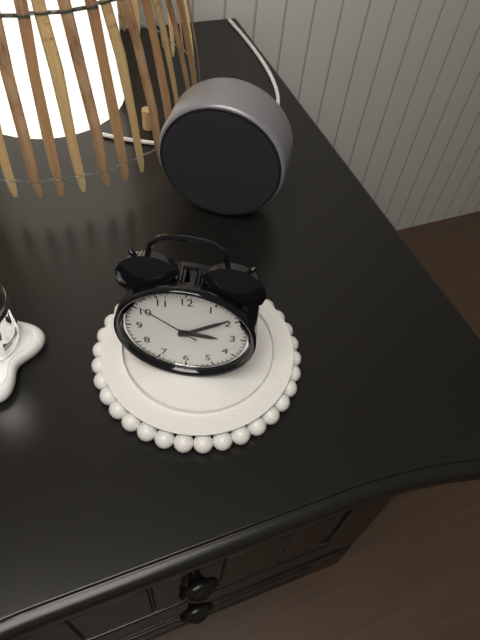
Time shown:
{"hour": 3, "minute": 9, "second": 51}
